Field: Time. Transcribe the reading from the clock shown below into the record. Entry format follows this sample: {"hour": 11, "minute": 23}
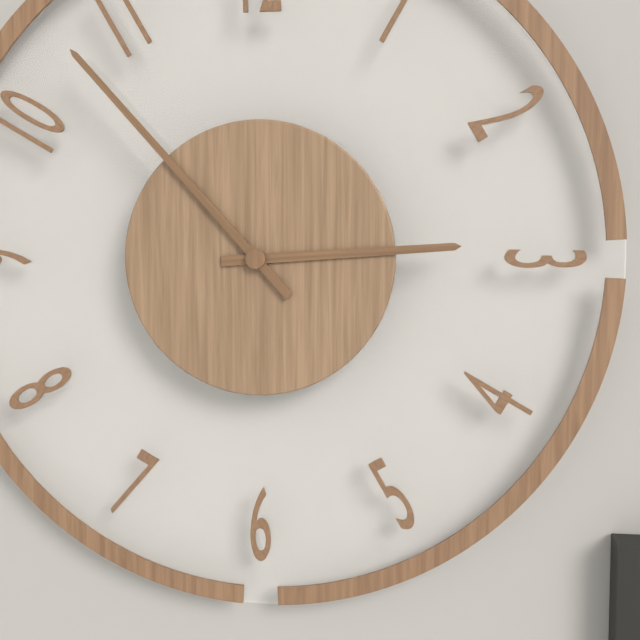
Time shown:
{"hour": 2, "minute": 53}
